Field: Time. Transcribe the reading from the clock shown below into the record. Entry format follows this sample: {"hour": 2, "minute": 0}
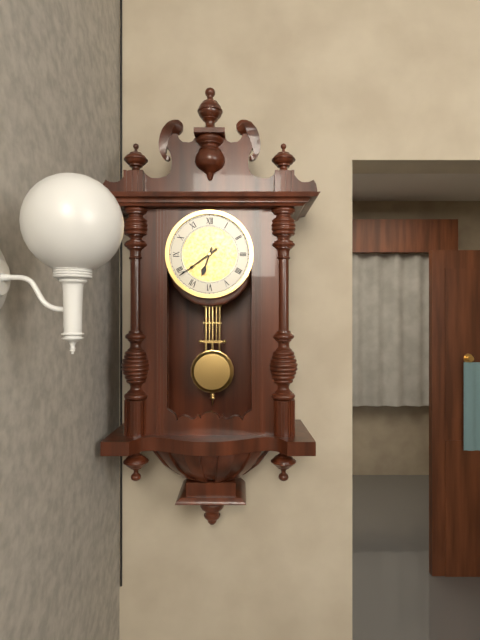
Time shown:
{"hour": 6, "minute": 39}
